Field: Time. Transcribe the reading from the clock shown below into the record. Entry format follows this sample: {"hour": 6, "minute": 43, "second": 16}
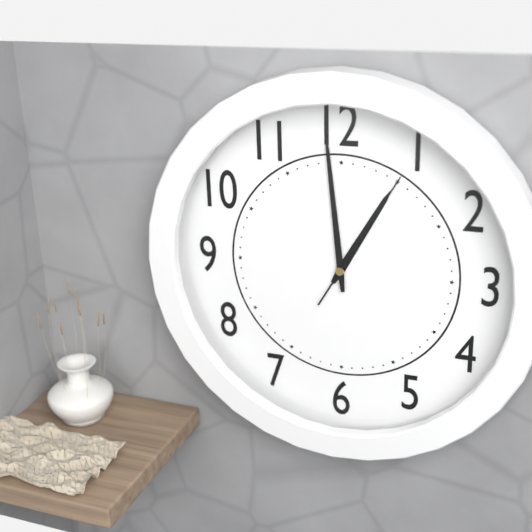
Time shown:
{"hour": 12, "minute": 59, "second": 5}
